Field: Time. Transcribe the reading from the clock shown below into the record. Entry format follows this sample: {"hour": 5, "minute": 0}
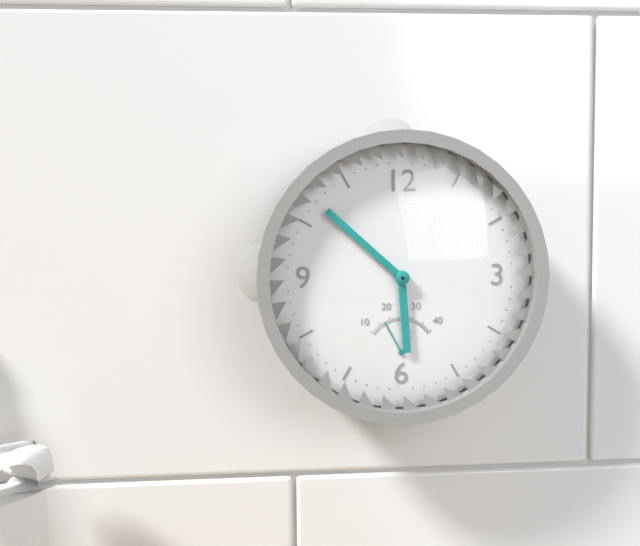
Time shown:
{"hour": 5, "minute": 52}
